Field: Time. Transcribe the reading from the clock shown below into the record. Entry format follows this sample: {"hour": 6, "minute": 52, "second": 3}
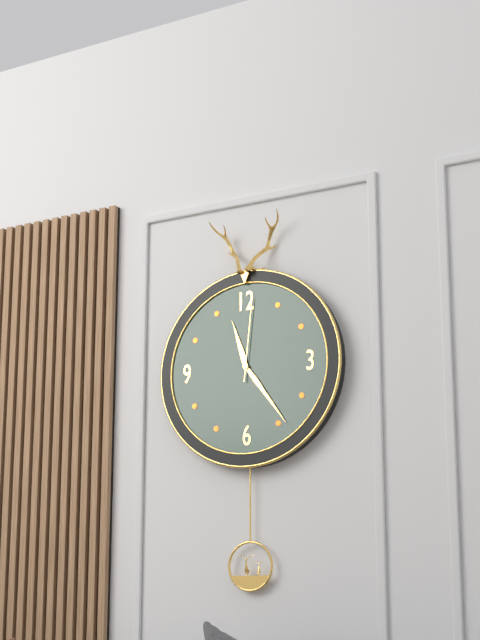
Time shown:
{"hour": 11, "minute": 24, "second": 1}
